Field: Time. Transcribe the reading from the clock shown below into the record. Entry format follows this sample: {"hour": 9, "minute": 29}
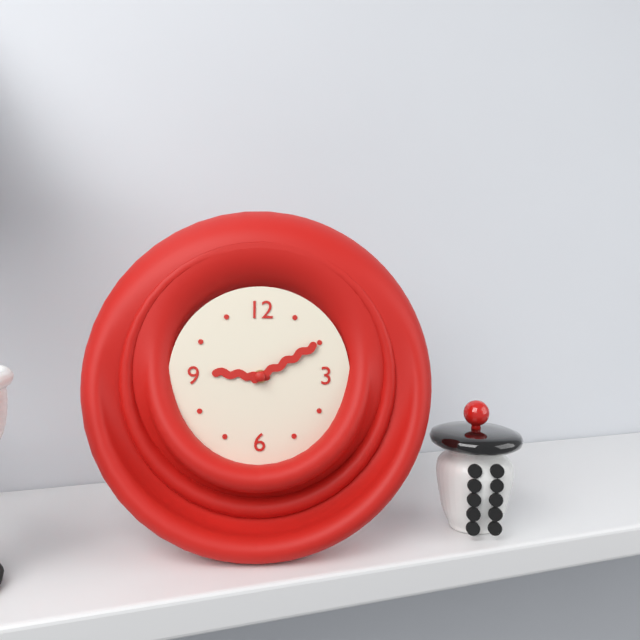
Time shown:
{"hour": 9, "minute": 10}
